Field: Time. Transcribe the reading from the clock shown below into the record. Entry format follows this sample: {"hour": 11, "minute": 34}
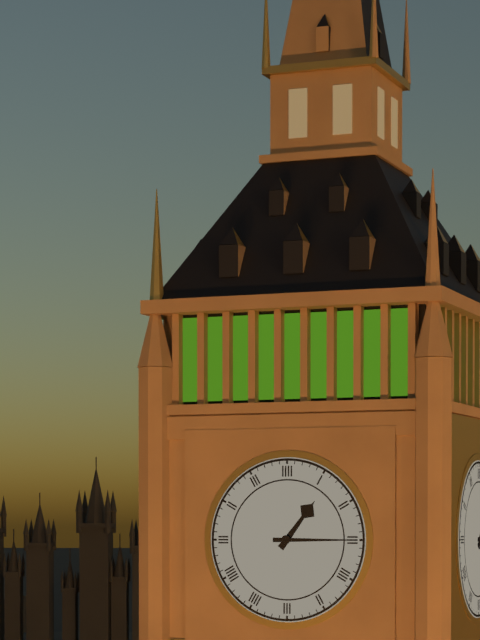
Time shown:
{"hour": 1, "minute": 15}
